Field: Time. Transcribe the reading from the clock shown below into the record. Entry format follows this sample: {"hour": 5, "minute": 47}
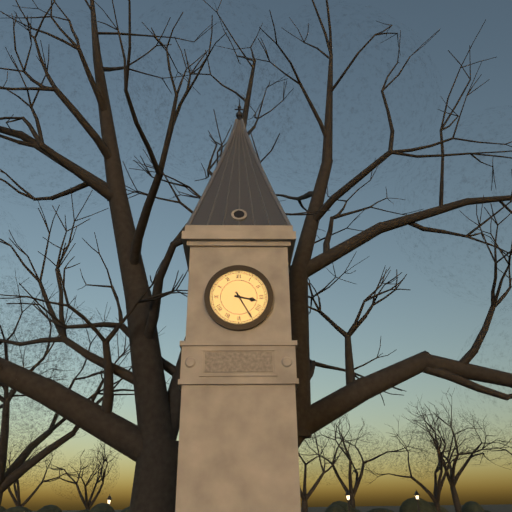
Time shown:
{"hour": 3, "minute": 25}
